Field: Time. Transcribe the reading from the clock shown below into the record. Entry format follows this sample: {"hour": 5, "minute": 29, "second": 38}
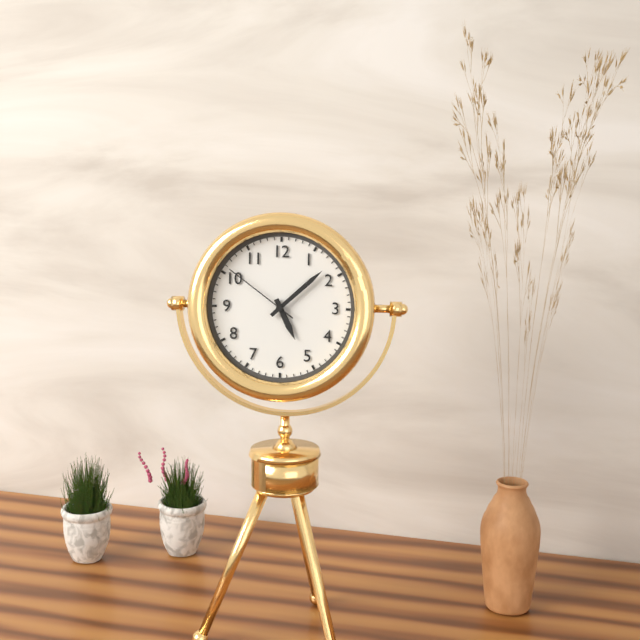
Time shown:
{"hour": 5, "minute": 8, "second": 51}
